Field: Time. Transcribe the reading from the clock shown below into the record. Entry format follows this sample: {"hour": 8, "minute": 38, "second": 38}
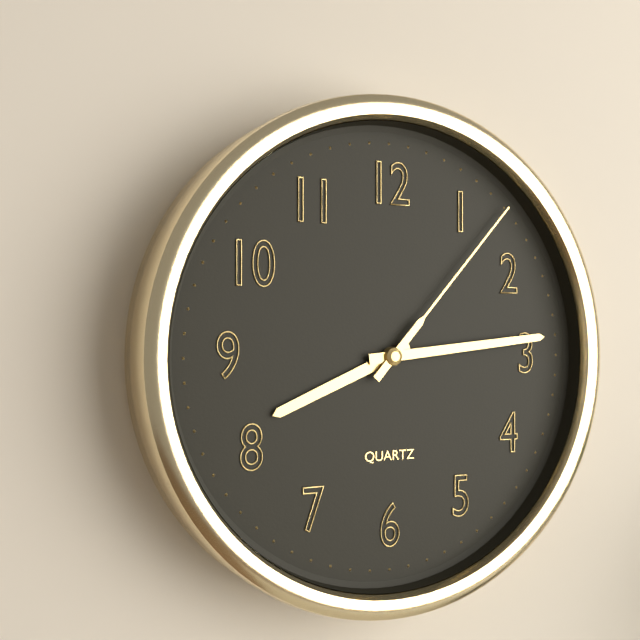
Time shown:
{"hour": 8, "minute": 14, "second": 7}
